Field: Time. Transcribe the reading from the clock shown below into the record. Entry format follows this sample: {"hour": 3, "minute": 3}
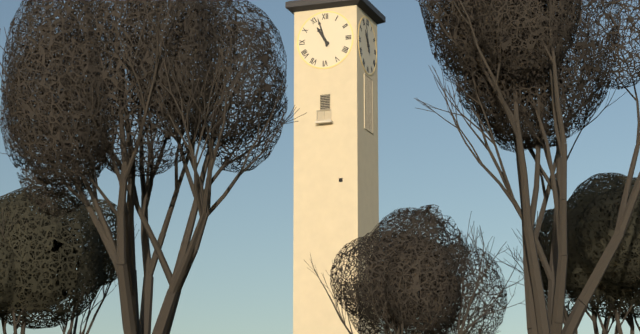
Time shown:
{"hour": 10, "minute": 57}
